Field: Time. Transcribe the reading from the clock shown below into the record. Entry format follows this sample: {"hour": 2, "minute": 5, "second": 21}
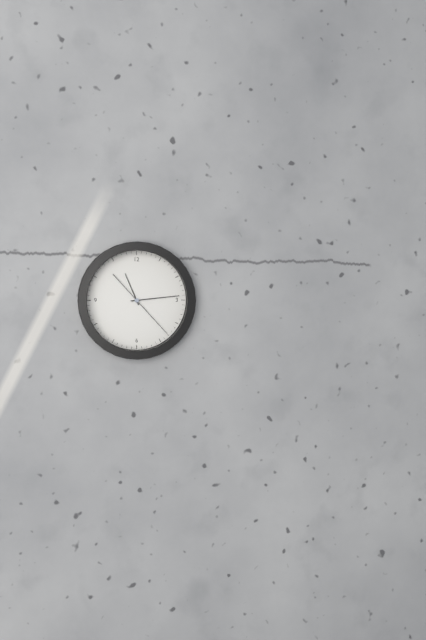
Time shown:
{"hour": 11, "minute": 14, "second": 23}
